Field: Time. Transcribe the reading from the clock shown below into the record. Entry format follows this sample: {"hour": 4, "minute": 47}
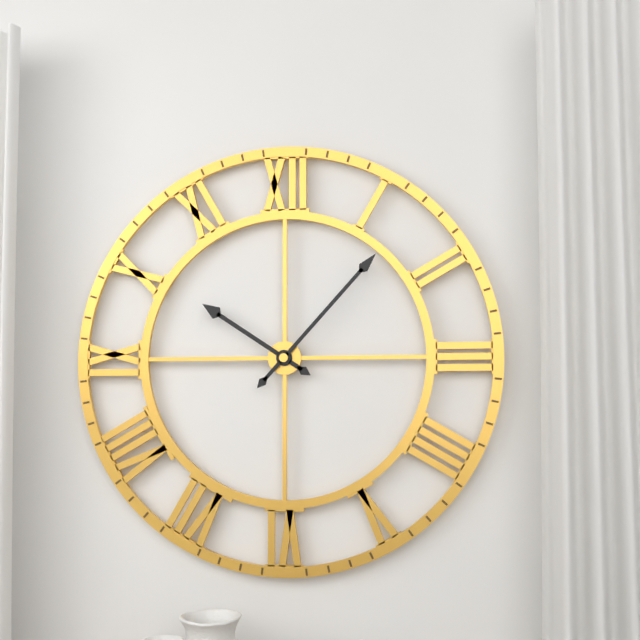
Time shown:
{"hour": 10, "minute": 7}
